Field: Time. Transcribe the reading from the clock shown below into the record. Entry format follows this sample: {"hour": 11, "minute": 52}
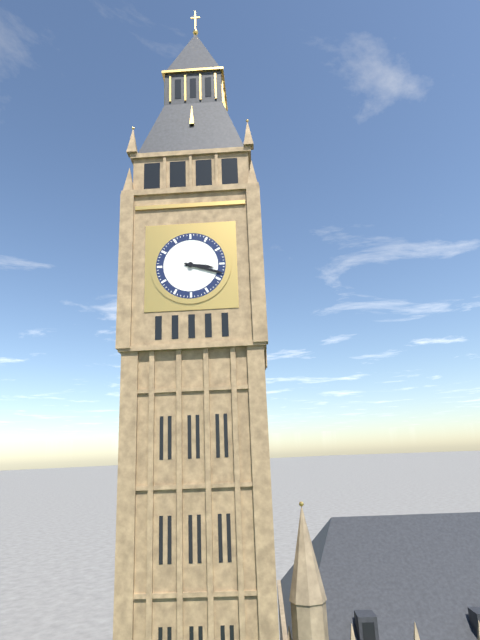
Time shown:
{"hour": 3, "minute": 18}
